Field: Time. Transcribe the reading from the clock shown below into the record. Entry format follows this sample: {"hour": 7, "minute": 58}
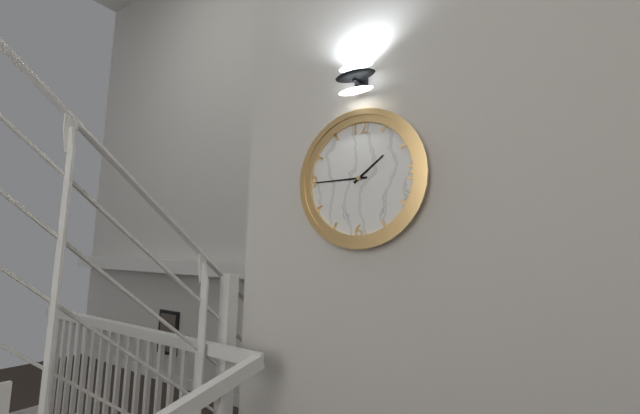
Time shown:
{"hour": 1, "minute": 45}
